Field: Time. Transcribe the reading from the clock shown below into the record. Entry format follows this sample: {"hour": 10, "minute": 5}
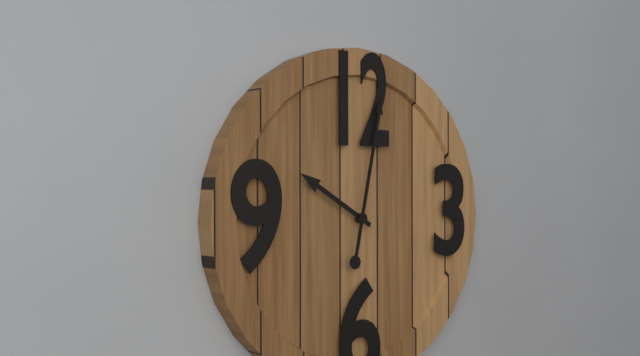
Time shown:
{"hour": 10, "minute": 2}
